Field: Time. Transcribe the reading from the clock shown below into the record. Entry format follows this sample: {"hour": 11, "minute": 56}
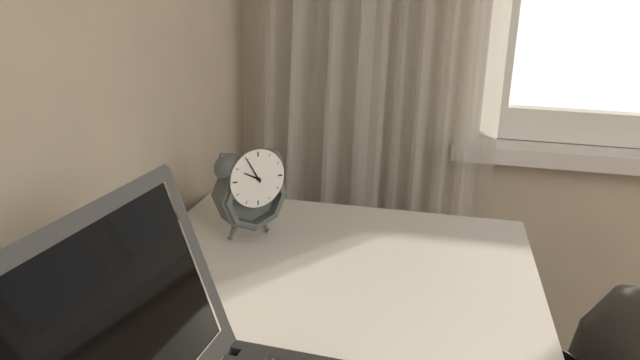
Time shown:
{"hour": 9, "minute": 55}
